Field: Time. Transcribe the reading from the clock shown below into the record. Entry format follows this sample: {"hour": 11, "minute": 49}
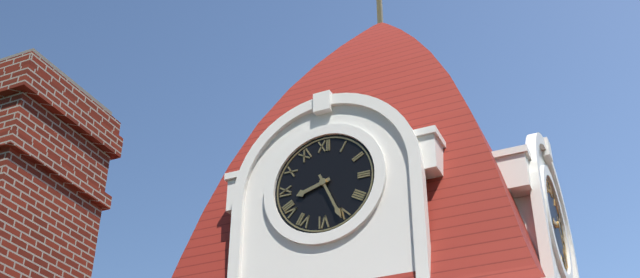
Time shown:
{"hour": 8, "minute": 26}
